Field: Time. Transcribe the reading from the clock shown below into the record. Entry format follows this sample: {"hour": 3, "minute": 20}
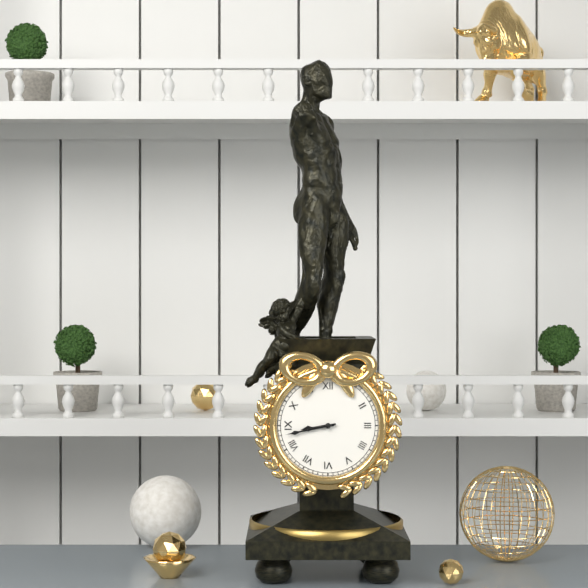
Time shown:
{"hour": 8, "minute": 43}
